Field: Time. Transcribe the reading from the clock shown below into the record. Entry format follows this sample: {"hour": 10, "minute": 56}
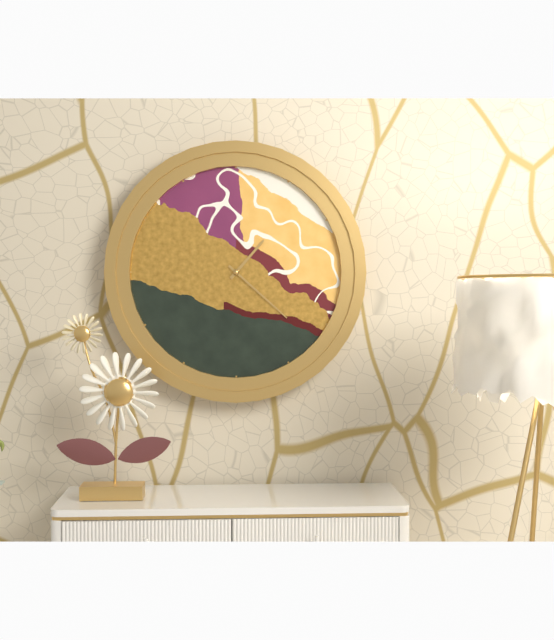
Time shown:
{"hour": 1, "minute": 22}
